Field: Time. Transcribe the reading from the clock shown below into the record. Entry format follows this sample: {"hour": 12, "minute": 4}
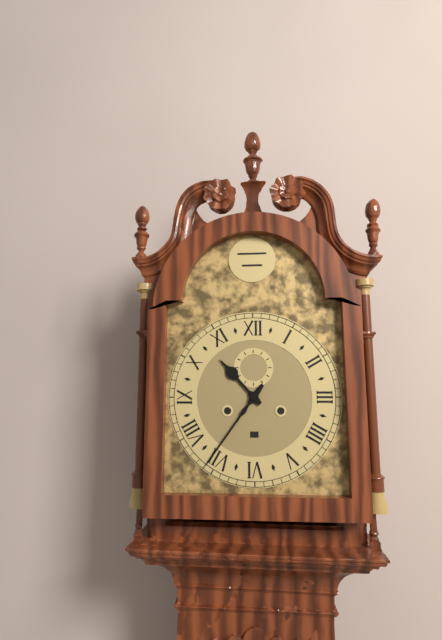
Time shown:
{"hour": 10, "minute": 36}
